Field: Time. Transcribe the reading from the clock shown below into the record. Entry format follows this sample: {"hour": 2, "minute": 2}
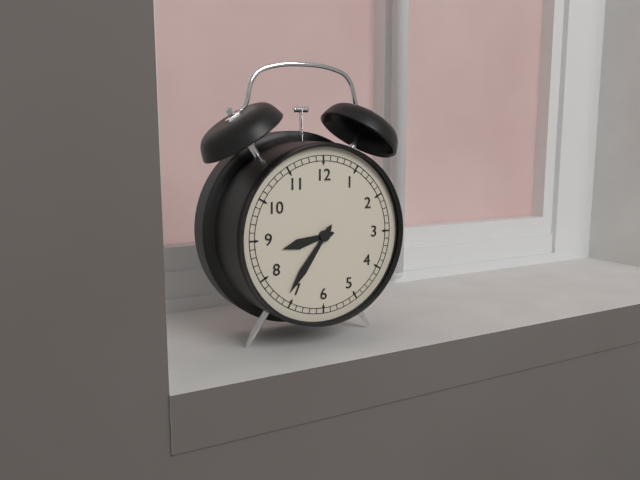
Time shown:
{"hour": 8, "minute": 36}
